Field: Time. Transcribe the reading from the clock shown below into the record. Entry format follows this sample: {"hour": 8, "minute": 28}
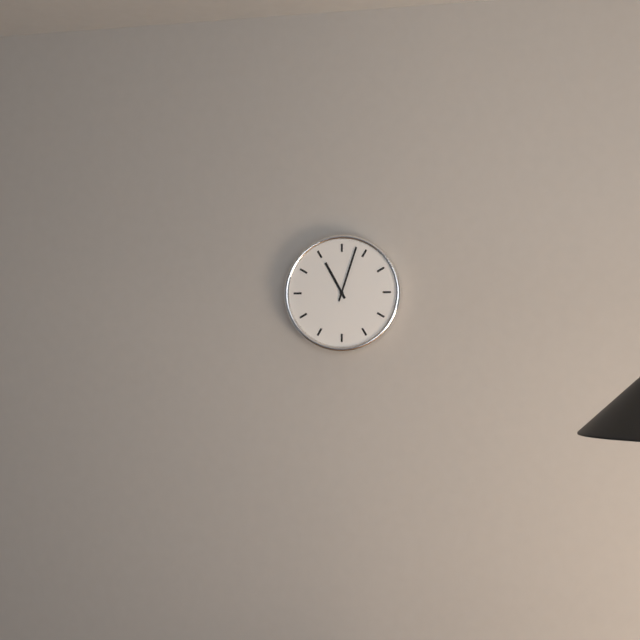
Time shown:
{"hour": 11, "minute": 3}
